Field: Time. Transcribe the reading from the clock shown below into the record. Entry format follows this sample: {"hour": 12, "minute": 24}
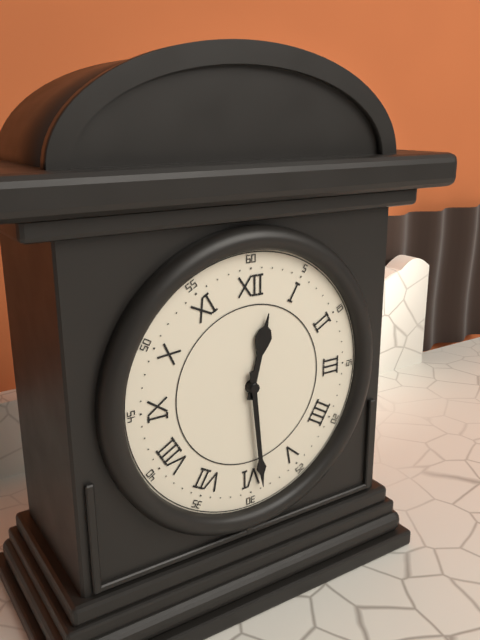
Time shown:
{"hour": 12, "minute": 29}
